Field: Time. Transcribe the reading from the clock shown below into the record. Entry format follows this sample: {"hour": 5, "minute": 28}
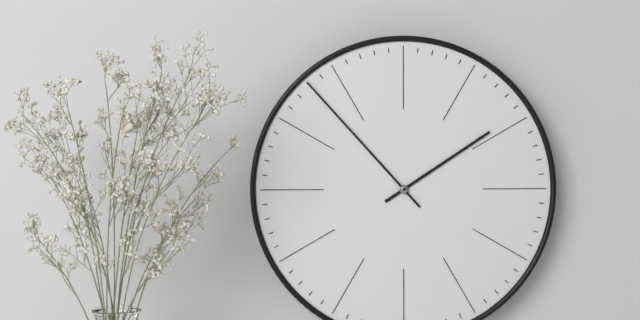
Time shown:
{"hour": 1, "minute": 53}
